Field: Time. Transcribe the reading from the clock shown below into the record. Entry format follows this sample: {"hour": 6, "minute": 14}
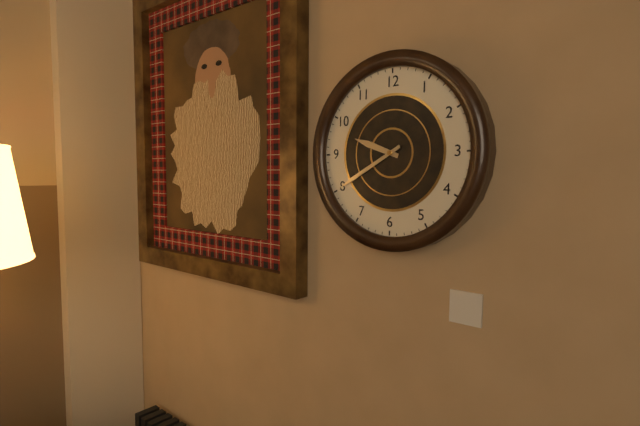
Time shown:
{"hour": 9, "minute": 40}
